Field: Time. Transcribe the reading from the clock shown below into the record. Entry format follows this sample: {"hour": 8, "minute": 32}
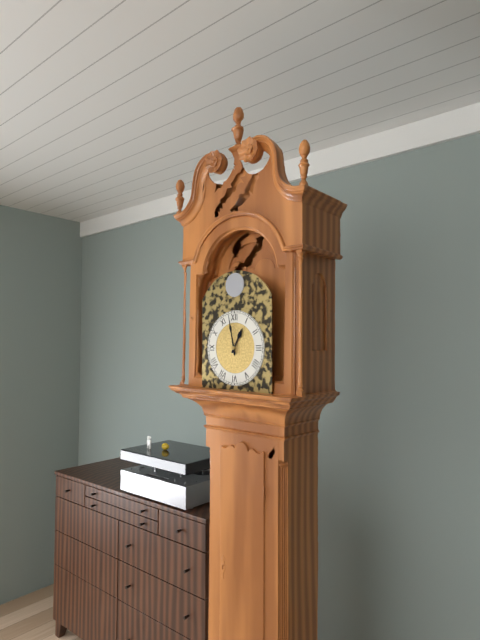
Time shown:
{"hour": 12, "minute": 58}
